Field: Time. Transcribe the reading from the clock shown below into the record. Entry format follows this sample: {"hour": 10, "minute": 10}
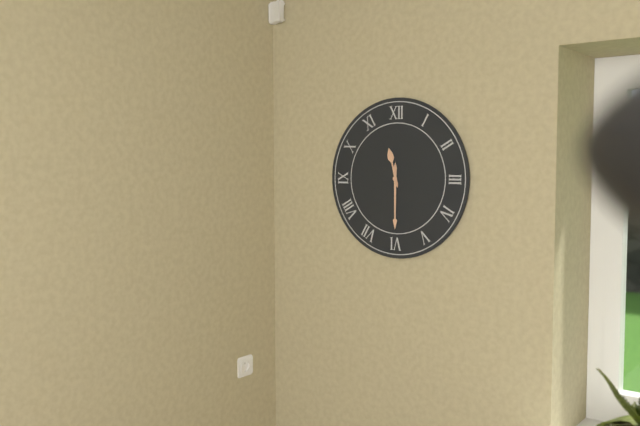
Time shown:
{"hour": 11, "minute": 30}
